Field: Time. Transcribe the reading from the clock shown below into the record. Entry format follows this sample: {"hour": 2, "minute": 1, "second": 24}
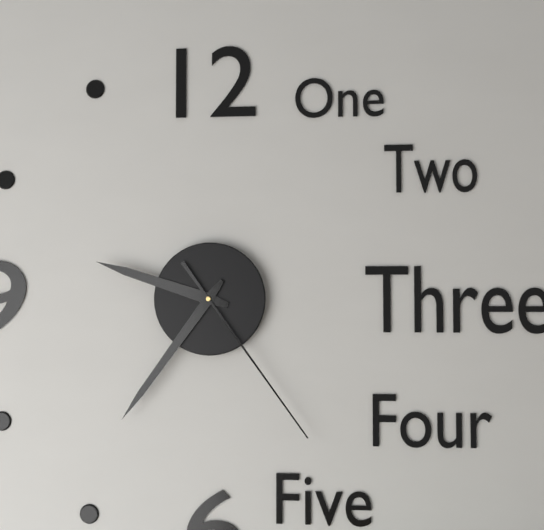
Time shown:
{"hour": 9, "minute": 36, "second": 24}
